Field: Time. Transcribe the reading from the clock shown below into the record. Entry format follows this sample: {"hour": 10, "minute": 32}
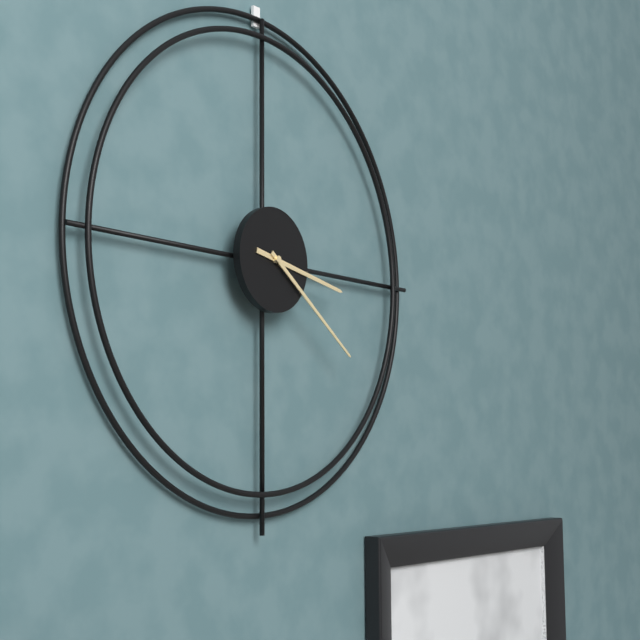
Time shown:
{"hour": 3, "minute": 21}
